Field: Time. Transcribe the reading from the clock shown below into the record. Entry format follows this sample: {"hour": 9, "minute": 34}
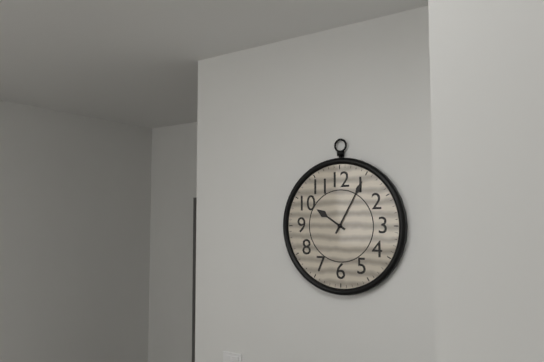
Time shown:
{"hour": 10, "minute": 5}
